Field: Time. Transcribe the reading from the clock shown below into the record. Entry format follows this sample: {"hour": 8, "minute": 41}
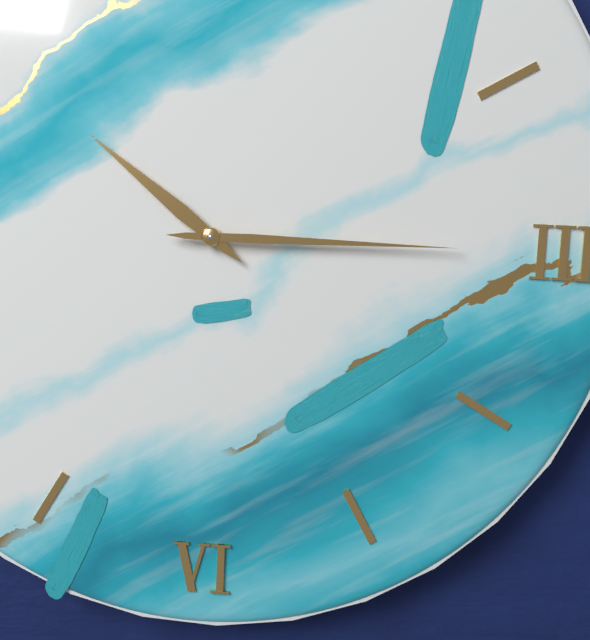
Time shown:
{"hour": 10, "minute": 15}
